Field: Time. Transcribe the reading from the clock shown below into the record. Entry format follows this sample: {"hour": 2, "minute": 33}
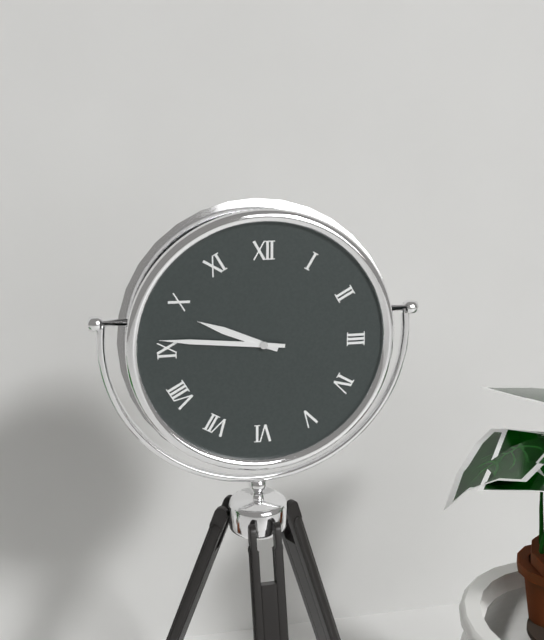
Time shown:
{"hour": 9, "minute": 46}
